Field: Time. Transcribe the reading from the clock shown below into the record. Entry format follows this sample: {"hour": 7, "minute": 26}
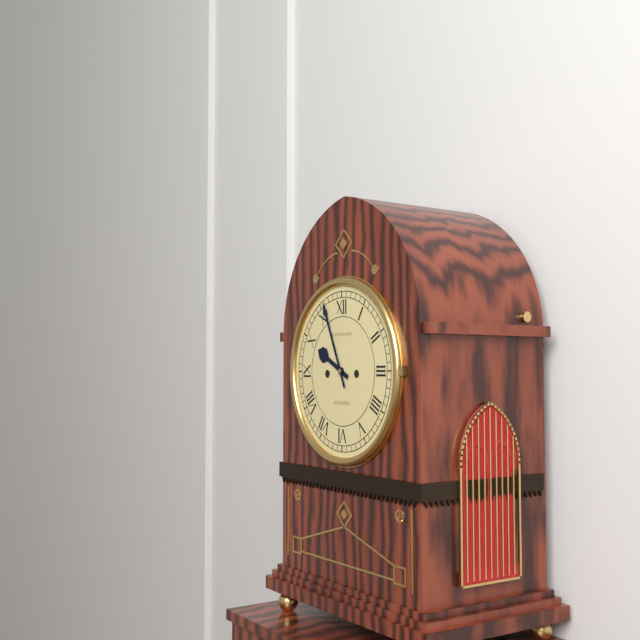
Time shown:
{"hour": 9, "minute": 56}
